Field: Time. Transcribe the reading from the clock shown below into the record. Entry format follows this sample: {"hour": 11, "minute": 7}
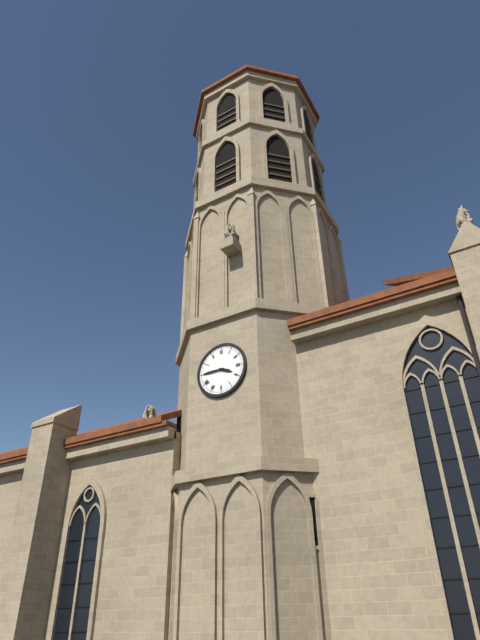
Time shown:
{"hour": 3, "minute": 45}
